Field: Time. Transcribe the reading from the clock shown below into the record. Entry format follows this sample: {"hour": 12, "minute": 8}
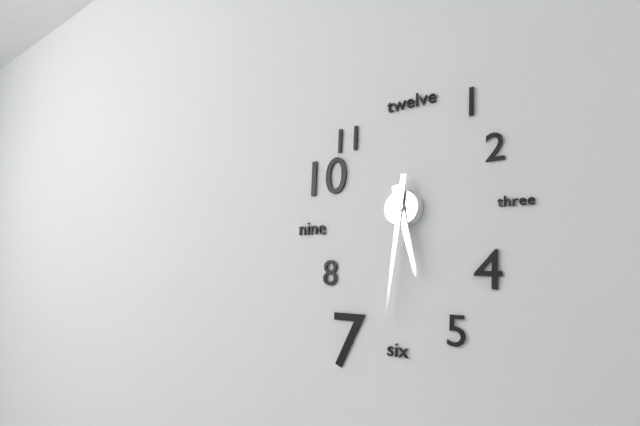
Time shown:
{"hour": 5, "minute": 31}
